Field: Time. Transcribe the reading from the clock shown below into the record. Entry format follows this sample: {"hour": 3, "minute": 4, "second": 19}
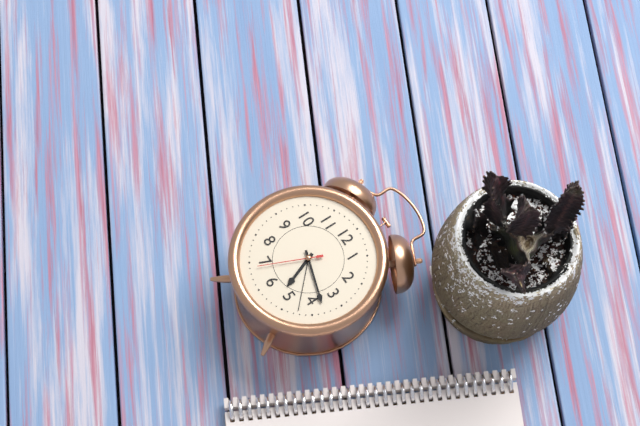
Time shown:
{"hour": 5, "minute": 18, "second": 34}
